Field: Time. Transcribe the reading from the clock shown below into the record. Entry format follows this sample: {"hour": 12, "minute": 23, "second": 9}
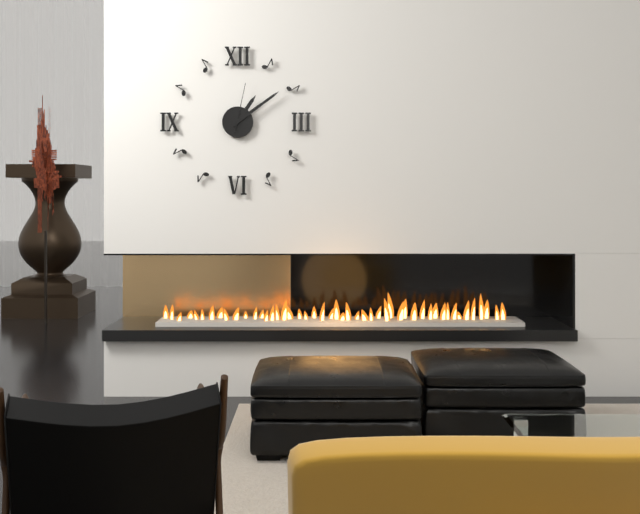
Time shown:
{"hour": 1, "minute": 9, "second": 2}
